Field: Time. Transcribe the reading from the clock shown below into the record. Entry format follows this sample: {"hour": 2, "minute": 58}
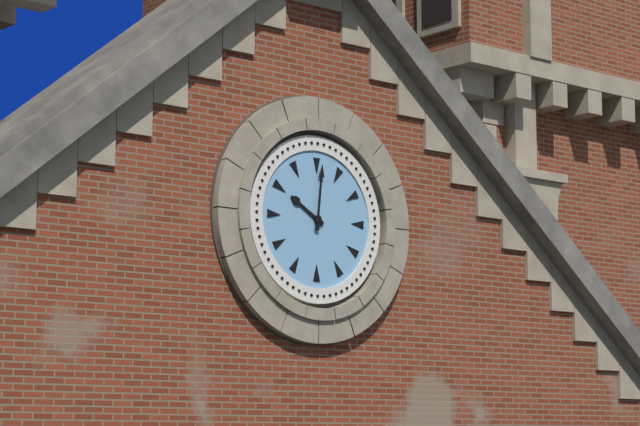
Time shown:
{"hour": 10, "minute": 1}
